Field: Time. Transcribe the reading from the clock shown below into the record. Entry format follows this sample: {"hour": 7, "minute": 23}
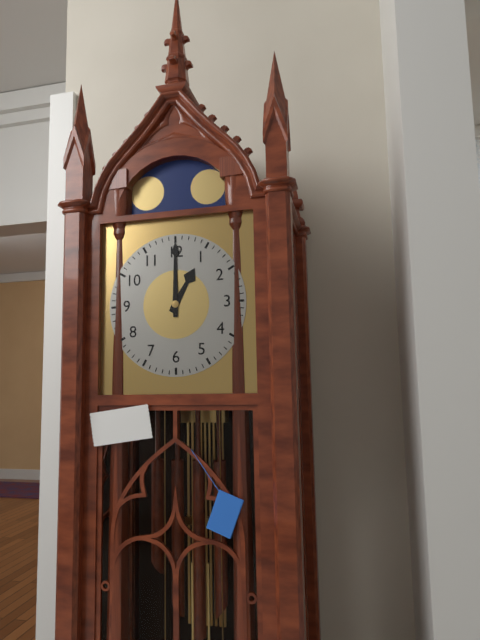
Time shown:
{"hour": 1, "minute": 0}
